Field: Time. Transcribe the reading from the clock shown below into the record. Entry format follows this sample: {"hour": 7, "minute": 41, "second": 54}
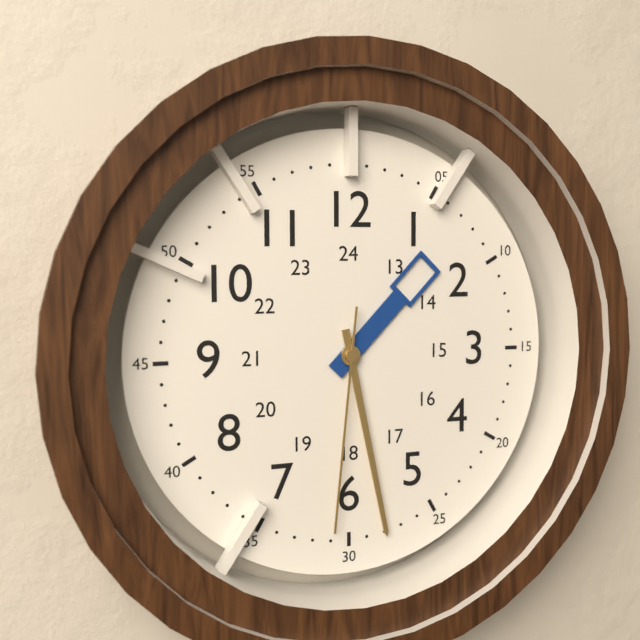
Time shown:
{"hour": 1, "minute": 28, "second": 31}
